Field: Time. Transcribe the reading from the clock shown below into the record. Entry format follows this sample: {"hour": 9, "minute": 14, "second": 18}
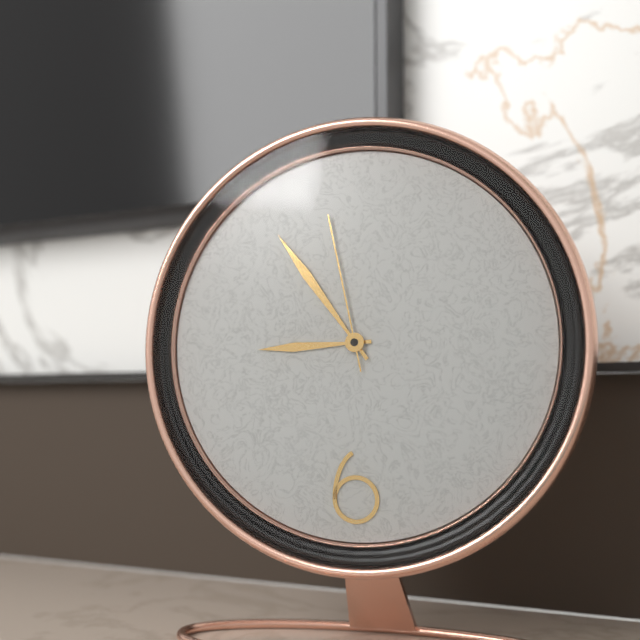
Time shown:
{"hour": 8, "minute": 54, "second": 58}
